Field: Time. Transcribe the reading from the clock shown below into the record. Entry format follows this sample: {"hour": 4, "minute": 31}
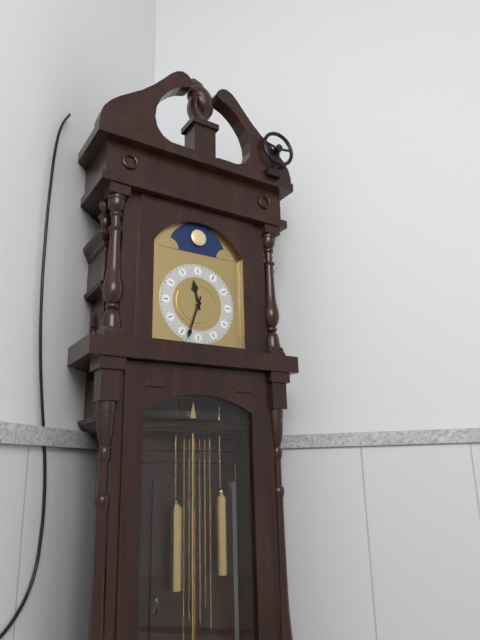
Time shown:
{"hour": 11, "minute": 33}
